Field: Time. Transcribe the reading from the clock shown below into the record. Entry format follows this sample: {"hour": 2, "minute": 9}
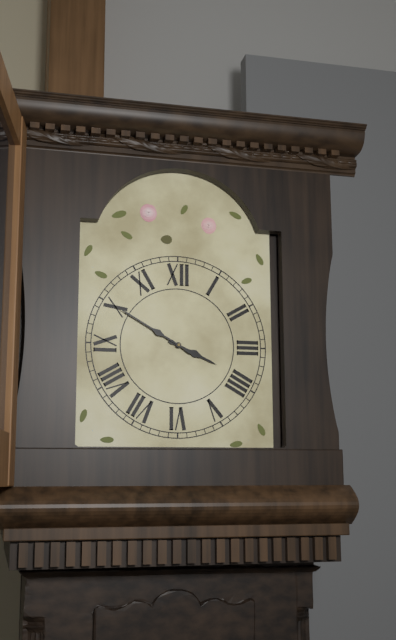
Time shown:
{"hour": 3, "minute": 50}
